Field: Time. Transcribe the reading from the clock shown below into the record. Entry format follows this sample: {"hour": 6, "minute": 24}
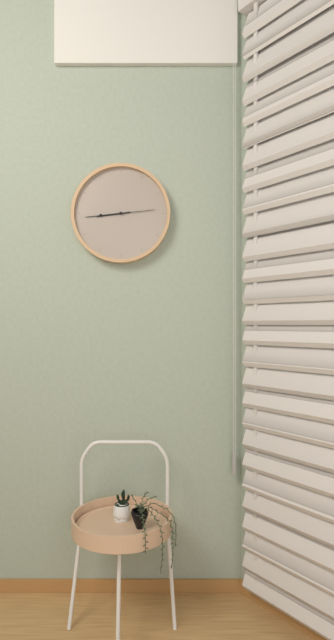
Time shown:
{"hour": 8, "minute": 44}
